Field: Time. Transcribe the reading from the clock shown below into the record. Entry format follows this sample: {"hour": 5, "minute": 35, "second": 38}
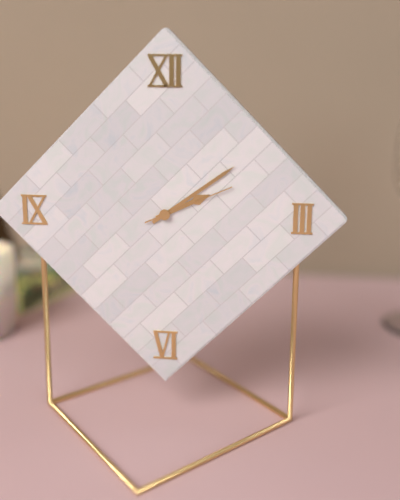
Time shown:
{"hour": 2, "minute": 9, "second": 11}
